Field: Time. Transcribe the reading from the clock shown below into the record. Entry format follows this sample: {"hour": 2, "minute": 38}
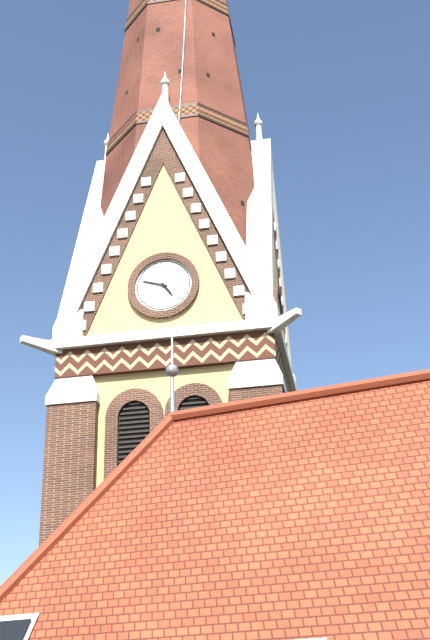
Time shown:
{"hour": 4, "minute": 48}
